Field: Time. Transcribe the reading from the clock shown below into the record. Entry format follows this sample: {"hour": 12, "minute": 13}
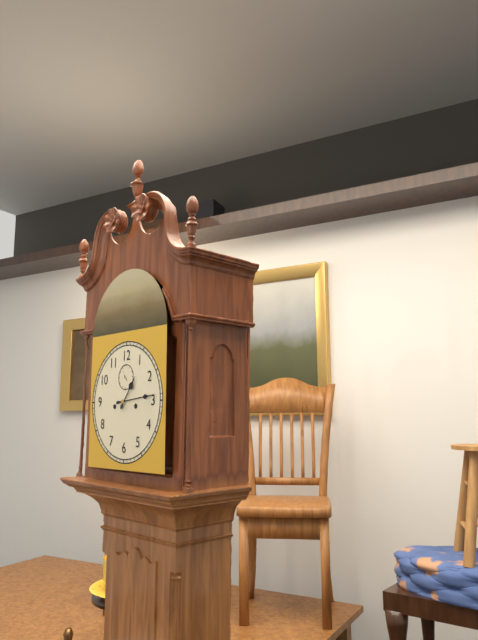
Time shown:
{"hour": 1, "minute": 14}
